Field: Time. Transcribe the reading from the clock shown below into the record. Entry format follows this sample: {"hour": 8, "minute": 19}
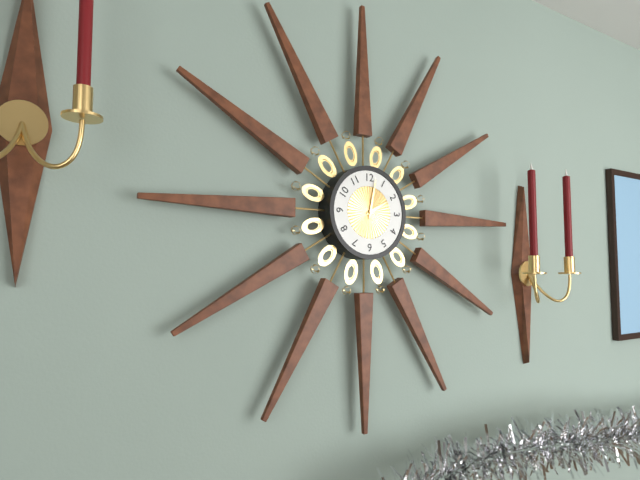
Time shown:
{"hour": 2, "minute": 2}
